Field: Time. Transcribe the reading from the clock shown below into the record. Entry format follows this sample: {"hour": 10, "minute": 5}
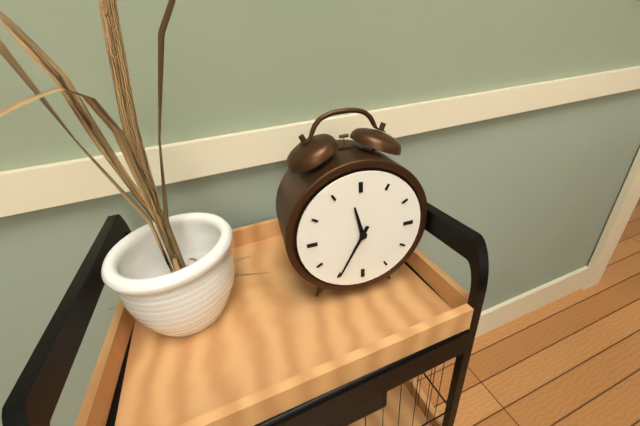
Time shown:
{"hour": 11, "minute": 35}
